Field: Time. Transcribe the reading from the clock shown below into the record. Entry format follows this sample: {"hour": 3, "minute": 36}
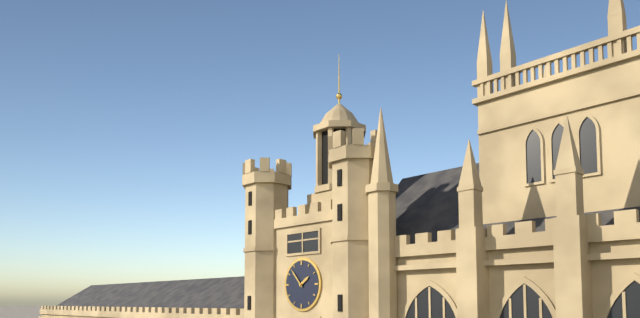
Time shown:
{"hour": 1, "minute": 53}
